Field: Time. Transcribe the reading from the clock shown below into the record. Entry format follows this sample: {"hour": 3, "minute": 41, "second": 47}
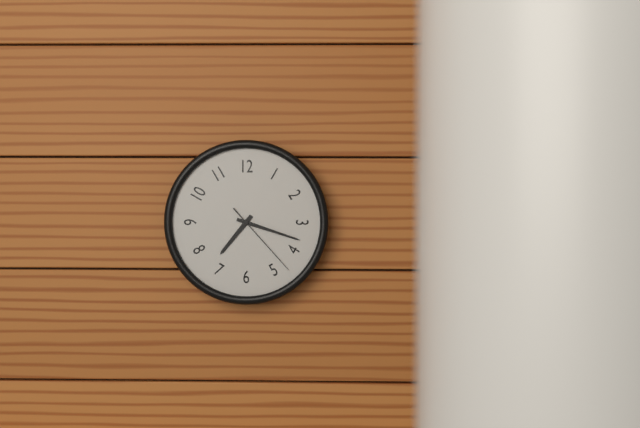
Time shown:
{"hour": 7, "minute": 18, "second": 23}
